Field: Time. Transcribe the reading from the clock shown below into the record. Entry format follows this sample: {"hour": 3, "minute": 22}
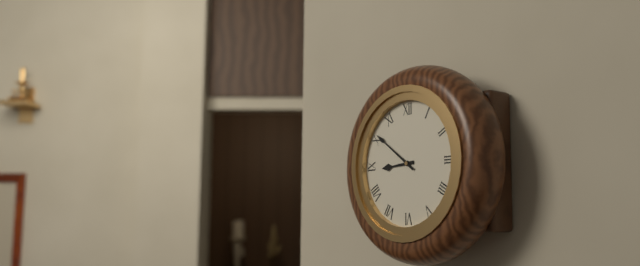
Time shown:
{"hour": 8, "minute": 51}
